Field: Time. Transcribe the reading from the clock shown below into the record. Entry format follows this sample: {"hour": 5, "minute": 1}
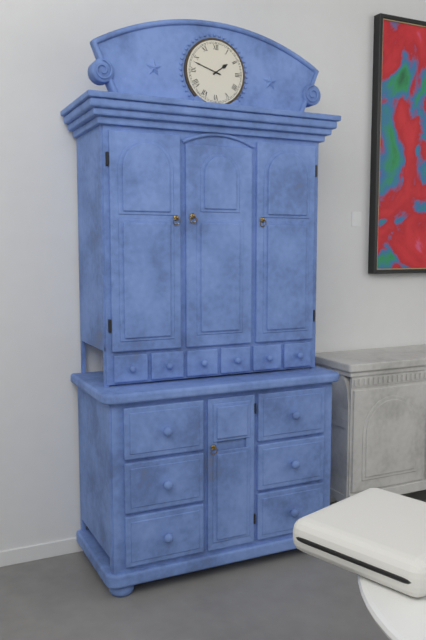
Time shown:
{"hour": 1, "minute": 48}
